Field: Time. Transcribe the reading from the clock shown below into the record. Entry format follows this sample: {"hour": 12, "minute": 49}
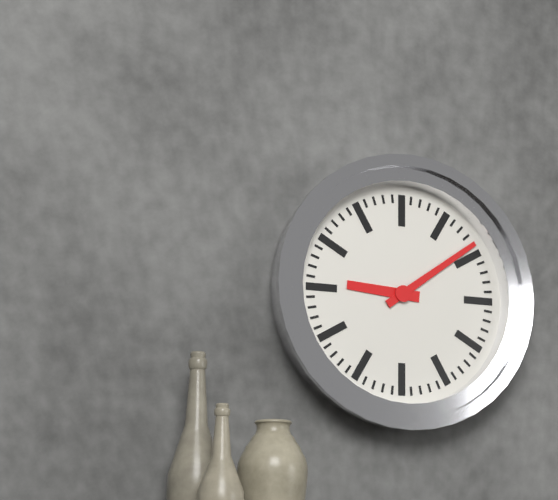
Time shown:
{"hour": 9, "minute": 9}
